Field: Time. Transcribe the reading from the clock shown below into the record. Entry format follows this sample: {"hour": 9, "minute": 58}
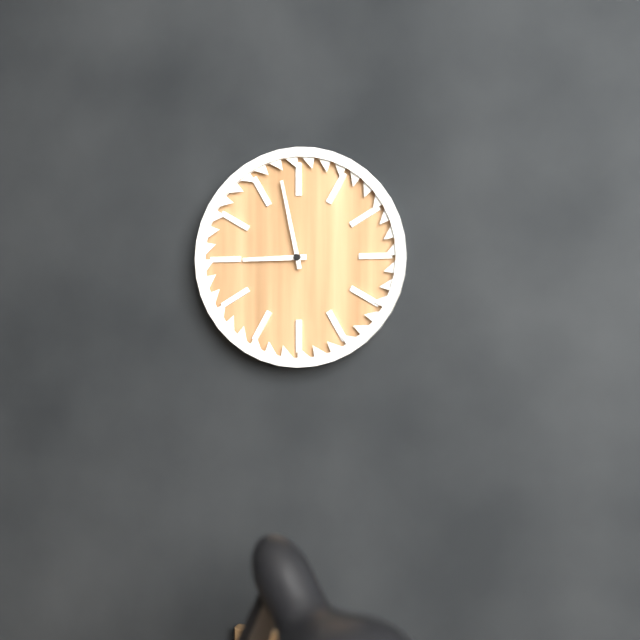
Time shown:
{"hour": 8, "minute": 58}
